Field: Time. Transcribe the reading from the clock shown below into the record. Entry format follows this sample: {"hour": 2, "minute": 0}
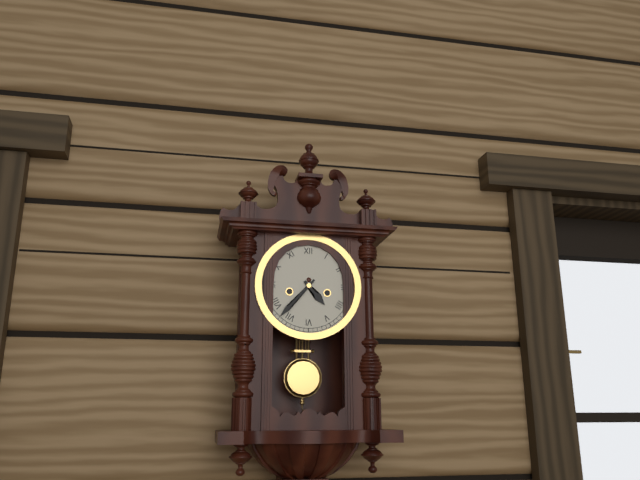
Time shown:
{"hour": 4, "minute": 37}
